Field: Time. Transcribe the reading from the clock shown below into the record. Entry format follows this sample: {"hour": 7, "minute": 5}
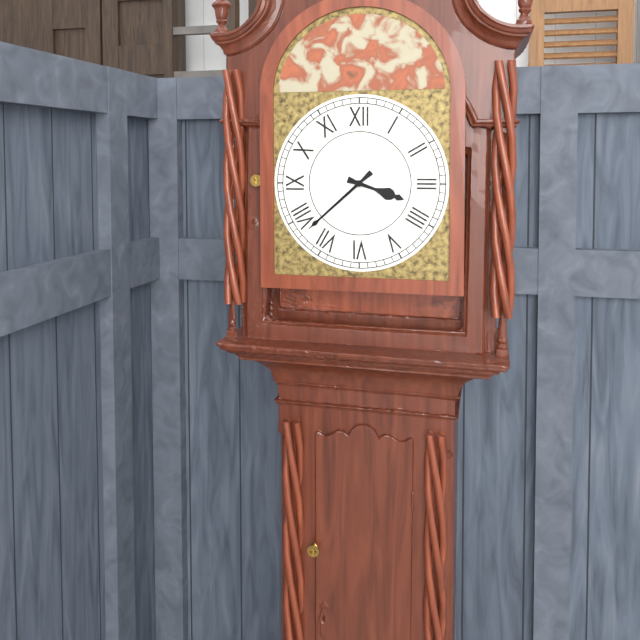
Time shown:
{"hour": 3, "minute": 38}
